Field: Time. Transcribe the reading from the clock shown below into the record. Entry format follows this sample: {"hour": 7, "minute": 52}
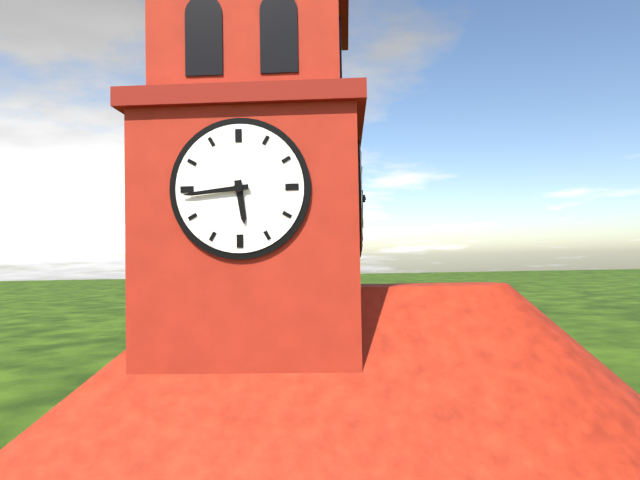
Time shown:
{"hour": 5, "minute": 44}
